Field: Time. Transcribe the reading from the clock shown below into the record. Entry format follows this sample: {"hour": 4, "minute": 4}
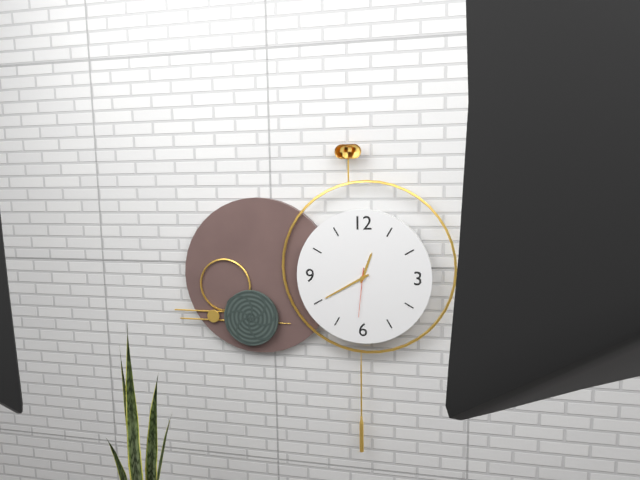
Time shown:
{"hour": 12, "minute": 40}
